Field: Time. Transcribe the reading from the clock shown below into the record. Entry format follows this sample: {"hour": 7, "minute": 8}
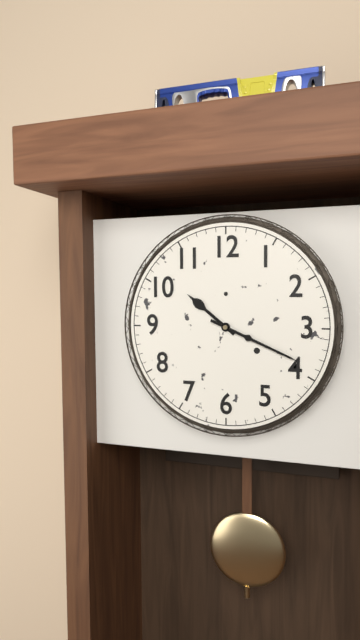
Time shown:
{"hour": 10, "minute": 19}
